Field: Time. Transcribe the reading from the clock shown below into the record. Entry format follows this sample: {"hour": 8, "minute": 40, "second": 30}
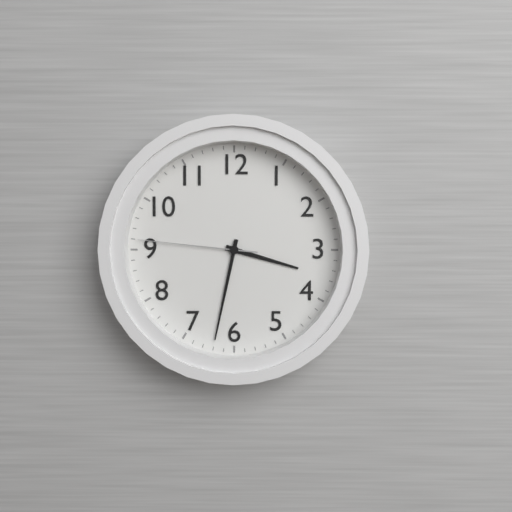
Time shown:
{"hour": 3, "minute": 32, "second": 46}
